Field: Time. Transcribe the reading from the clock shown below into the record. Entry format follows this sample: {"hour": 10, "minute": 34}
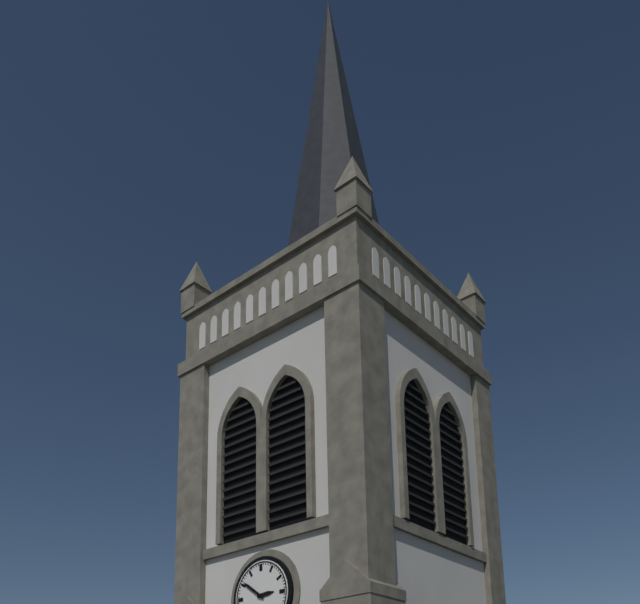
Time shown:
{"hour": 2, "minute": 51}
